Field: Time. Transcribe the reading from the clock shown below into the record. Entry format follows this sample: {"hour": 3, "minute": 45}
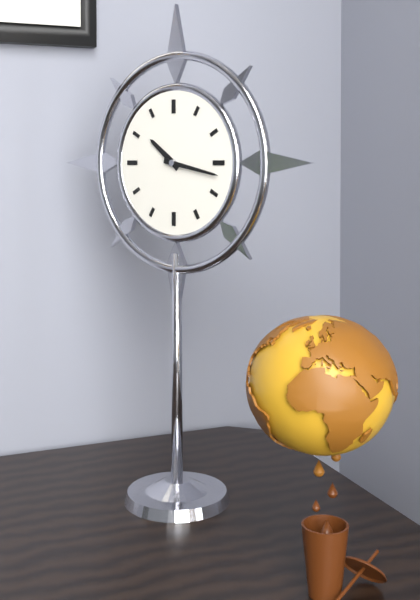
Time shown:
{"hour": 10, "minute": 17}
